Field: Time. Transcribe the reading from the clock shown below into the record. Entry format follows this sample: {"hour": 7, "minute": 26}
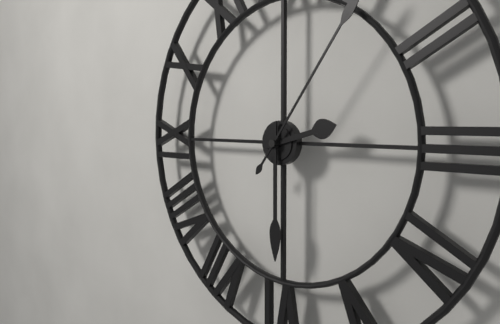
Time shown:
{"hour": 2, "minute": 30}
